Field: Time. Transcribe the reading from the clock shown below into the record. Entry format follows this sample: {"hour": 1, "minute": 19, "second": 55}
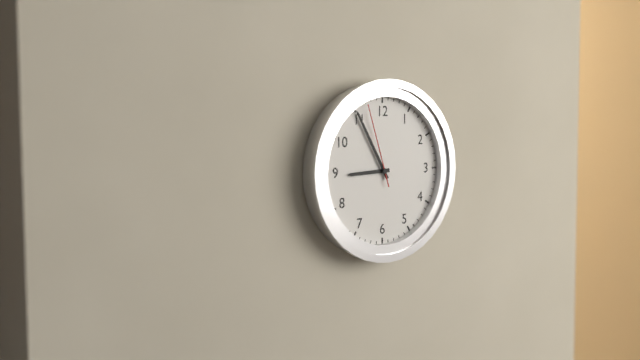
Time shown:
{"hour": 8, "minute": 55, "second": 57}
